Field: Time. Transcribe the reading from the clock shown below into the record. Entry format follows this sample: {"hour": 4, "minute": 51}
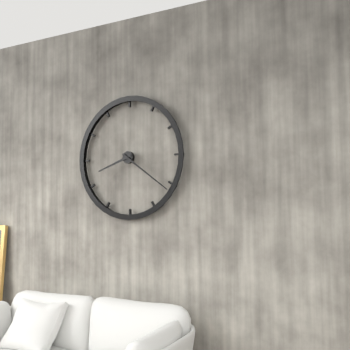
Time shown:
{"hour": 8, "minute": 21}
